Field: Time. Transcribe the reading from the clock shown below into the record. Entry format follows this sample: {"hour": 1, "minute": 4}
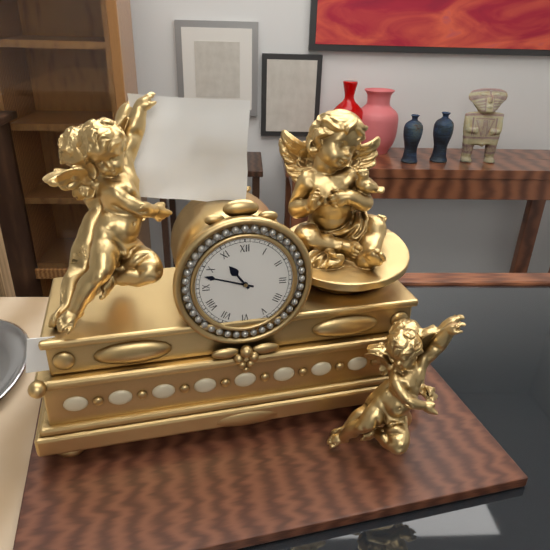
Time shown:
{"hour": 10, "minute": 48}
